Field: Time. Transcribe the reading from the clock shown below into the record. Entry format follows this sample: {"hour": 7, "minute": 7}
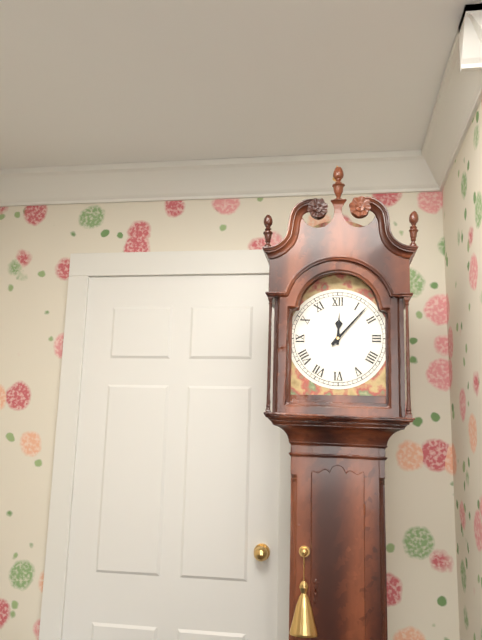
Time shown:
{"hour": 12, "minute": 7}
